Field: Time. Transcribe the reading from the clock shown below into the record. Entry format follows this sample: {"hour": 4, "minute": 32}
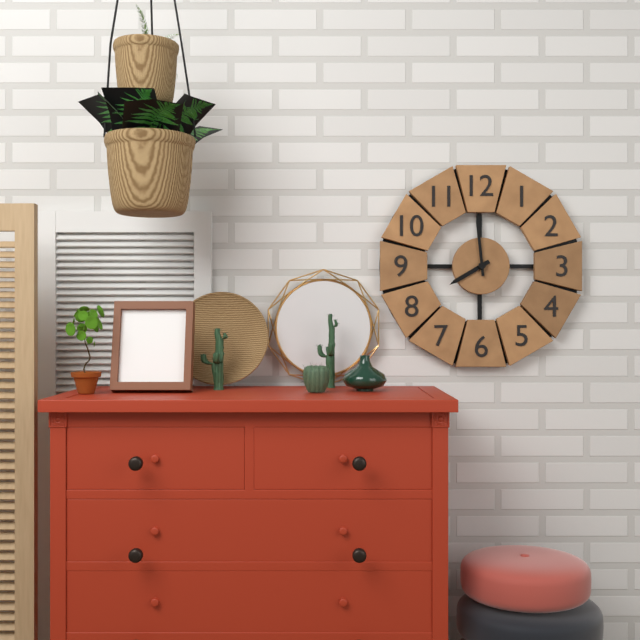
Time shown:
{"hour": 7, "minute": 59}
